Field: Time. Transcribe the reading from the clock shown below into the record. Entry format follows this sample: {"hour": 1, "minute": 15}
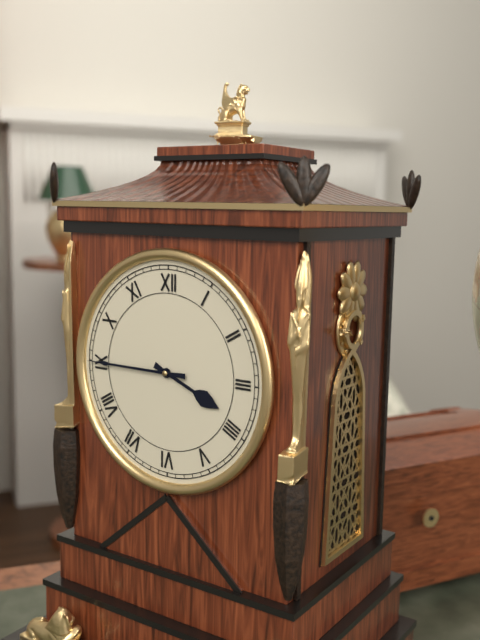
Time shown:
{"hour": 3, "minute": 45}
